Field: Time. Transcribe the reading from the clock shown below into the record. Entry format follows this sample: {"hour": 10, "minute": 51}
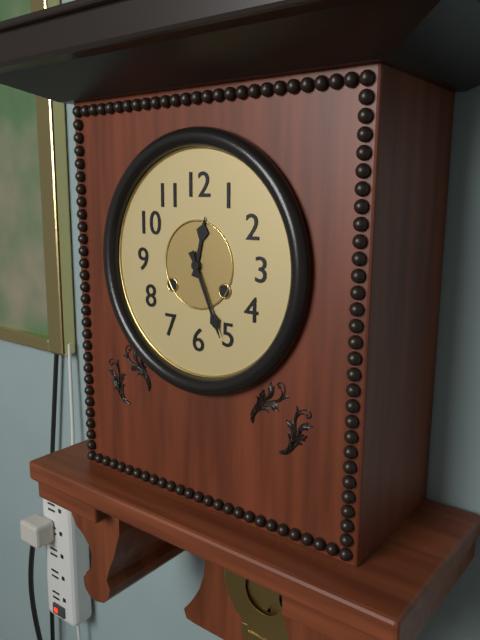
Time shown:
{"hour": 12, "minute": 26}
